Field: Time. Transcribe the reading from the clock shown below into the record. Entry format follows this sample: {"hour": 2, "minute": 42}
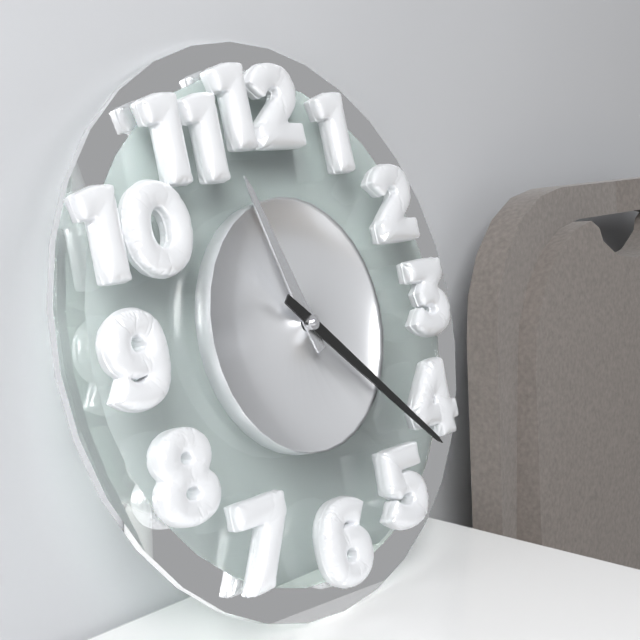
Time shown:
{"hour": 11, "minute": 22}
